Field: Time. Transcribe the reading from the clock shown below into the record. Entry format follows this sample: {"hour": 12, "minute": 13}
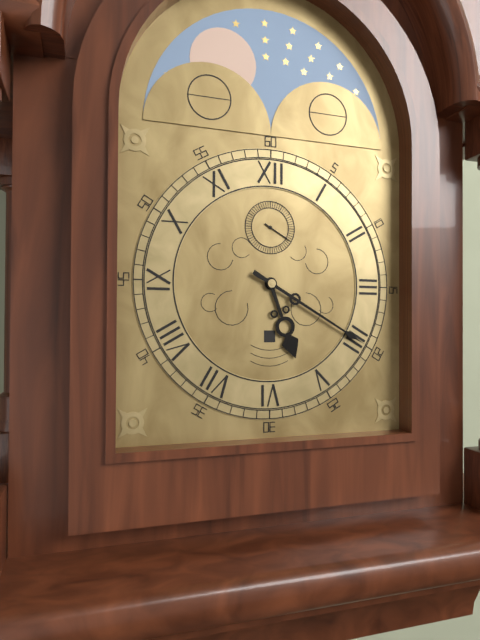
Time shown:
{"hour": 5, "minute": 20}
